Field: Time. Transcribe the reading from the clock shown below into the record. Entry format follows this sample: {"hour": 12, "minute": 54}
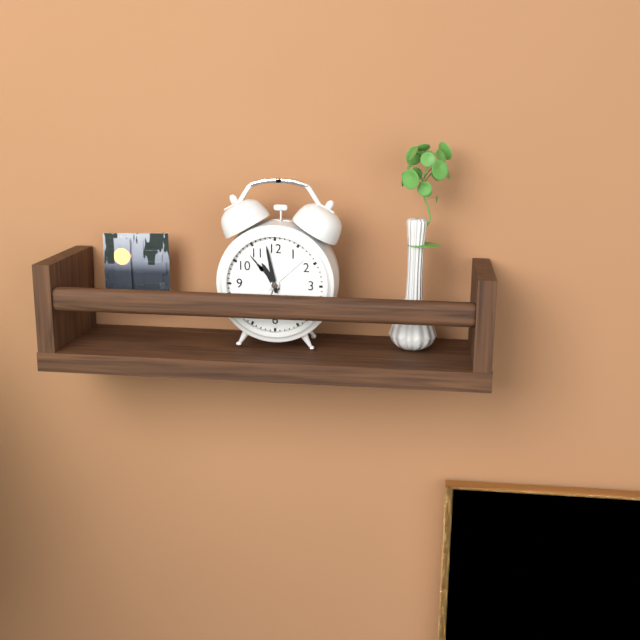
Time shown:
{"hour": 10, "minute": 58}
